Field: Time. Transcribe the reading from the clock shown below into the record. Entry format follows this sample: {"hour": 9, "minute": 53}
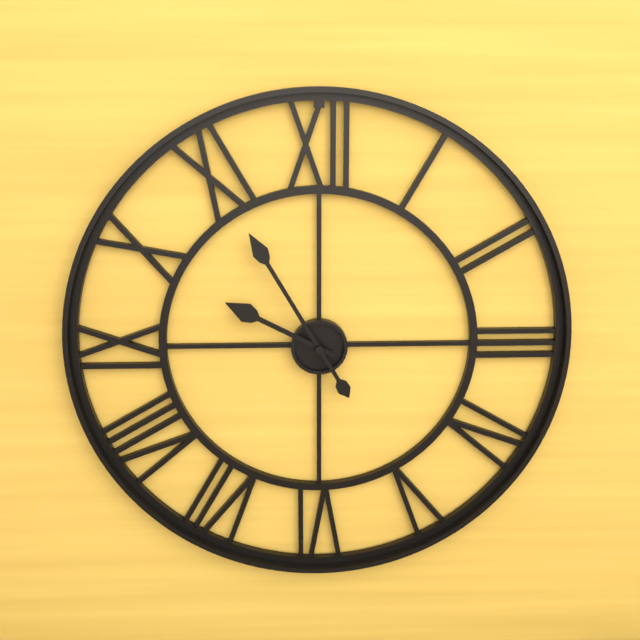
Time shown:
{"hour": 9, "minute": 55}
